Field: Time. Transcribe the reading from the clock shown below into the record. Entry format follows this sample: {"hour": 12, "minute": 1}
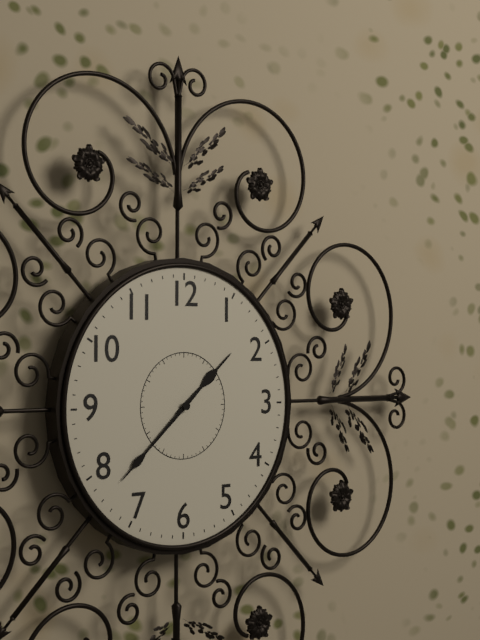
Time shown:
{"hour": 1, "minute": 38}
